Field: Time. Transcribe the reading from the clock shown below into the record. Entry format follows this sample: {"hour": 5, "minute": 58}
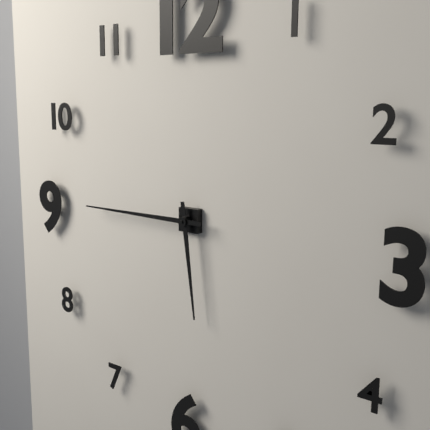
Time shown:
{"hour": 5, "minute": 45}
